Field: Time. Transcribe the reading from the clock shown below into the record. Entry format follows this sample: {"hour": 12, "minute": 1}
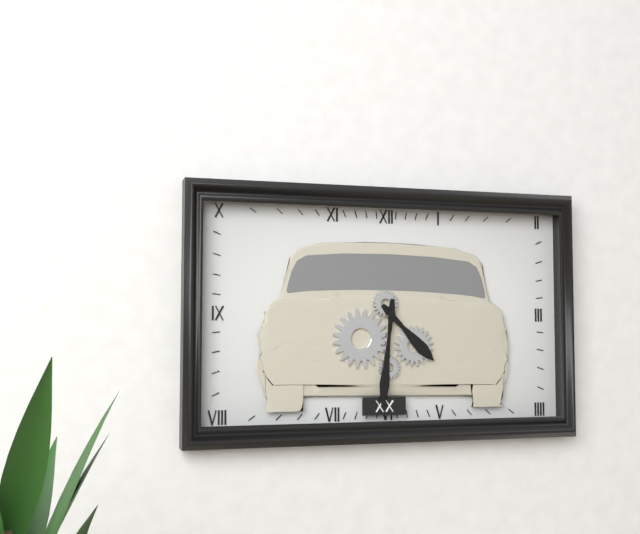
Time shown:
{"hour": 4, "minute": 31}
